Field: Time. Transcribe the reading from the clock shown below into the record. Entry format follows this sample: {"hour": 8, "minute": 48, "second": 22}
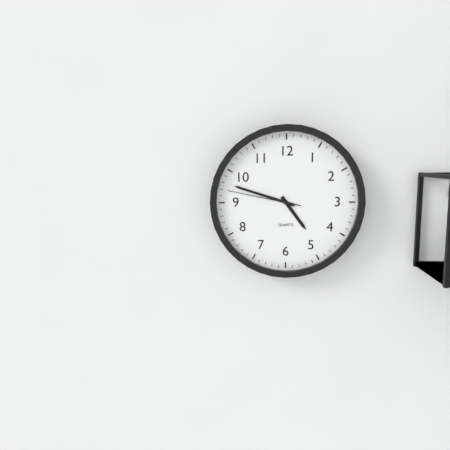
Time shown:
{"hour": 4, "minute": 48, "second": 47}
